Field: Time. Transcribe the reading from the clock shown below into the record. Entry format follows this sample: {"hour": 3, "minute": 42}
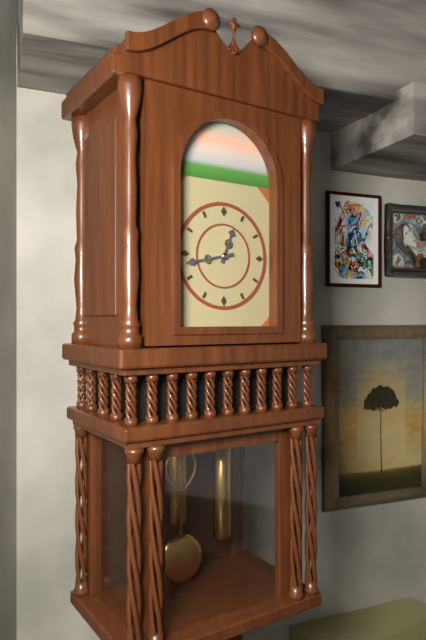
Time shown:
{"hour": 12, "minute": 43}
